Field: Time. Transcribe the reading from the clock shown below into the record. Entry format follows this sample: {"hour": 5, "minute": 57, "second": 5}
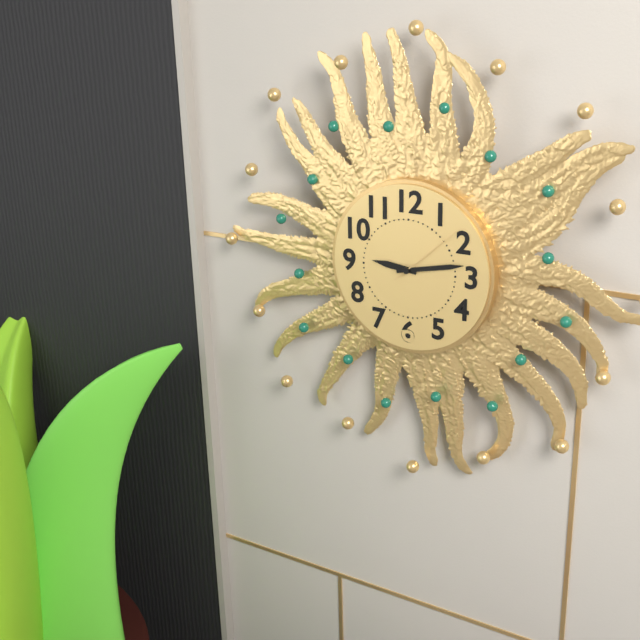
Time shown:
{"hour": 9, "minute": 13, "second": 8}
